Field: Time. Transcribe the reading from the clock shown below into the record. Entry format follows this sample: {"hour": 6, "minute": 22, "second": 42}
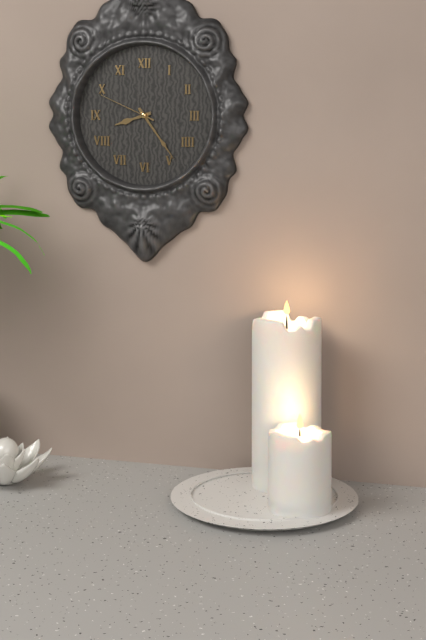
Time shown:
{"hour": 8, "minute": 24, "second": 49}
